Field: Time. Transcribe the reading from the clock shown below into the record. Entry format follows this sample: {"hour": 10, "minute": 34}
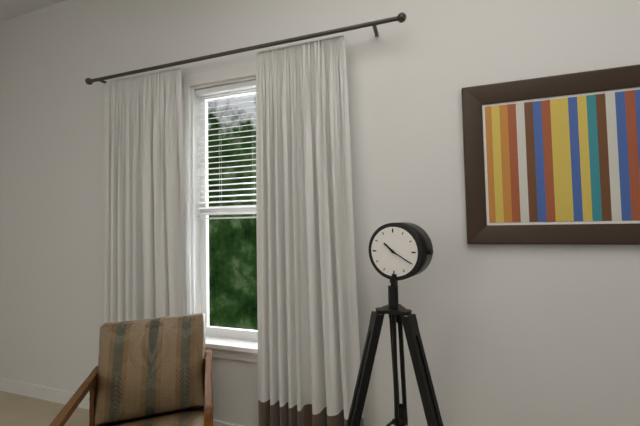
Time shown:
{"hour": 10, "minute": 20}
